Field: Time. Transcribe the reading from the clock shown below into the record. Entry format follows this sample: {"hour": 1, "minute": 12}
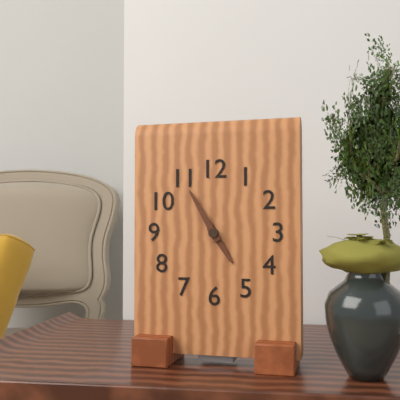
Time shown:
{"hour": 4, "minute": 55}
